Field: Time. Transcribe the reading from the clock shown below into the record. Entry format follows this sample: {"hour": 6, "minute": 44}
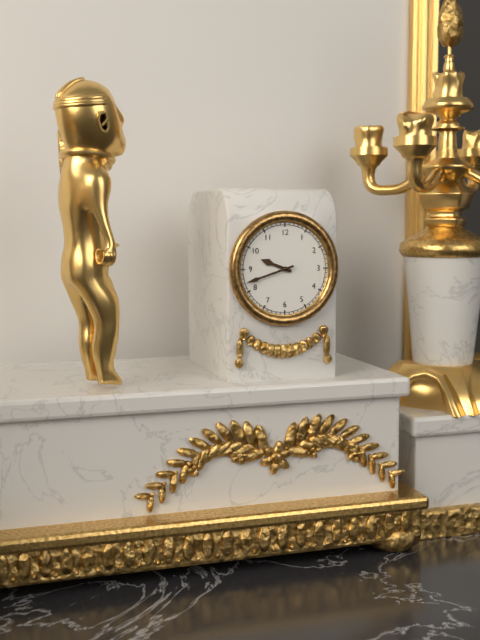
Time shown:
{"hour": 9, "minute": 42}
